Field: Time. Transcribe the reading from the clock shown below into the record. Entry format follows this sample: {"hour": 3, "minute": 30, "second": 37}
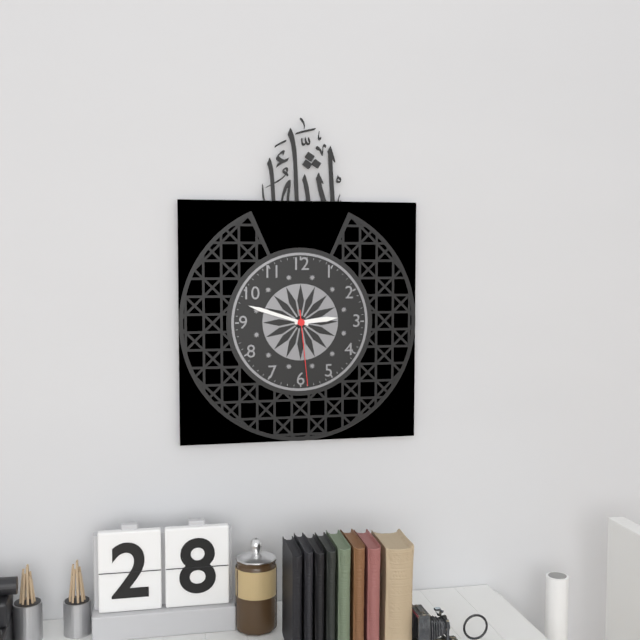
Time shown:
{"hour": 2, "minute": 48, "second": 29}
